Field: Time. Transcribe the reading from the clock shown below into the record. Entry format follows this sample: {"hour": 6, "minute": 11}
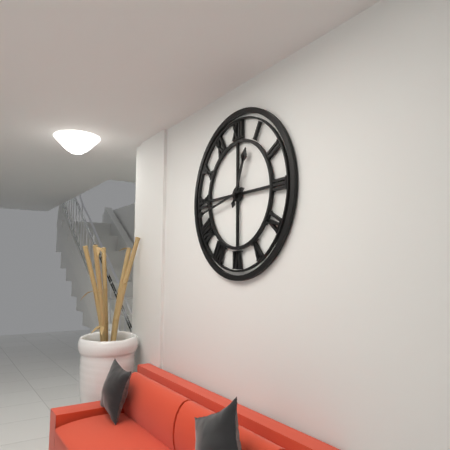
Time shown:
{"hour": 12, "minute": 43}
